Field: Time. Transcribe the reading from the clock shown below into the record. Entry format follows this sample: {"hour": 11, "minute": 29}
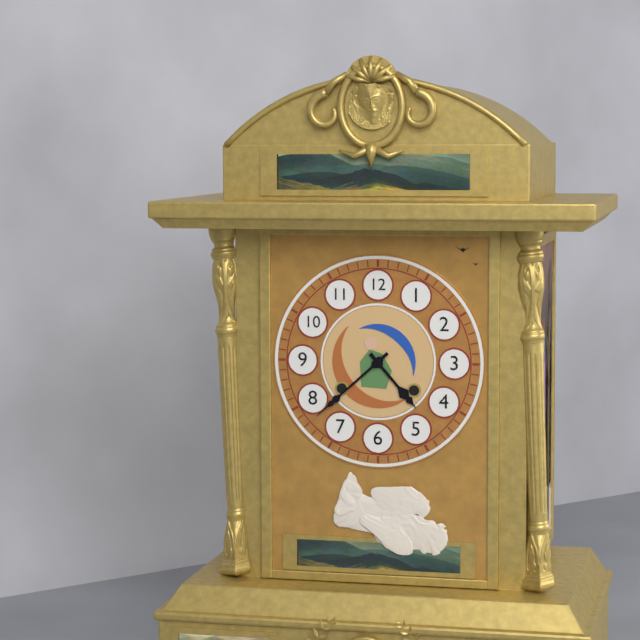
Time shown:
{"hour": 4, "minute": 38}
